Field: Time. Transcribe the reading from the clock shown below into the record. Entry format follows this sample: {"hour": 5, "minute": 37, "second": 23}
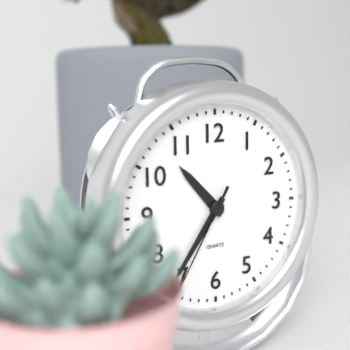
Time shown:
{"hour": 10, "minute": 36, "second": 35}
